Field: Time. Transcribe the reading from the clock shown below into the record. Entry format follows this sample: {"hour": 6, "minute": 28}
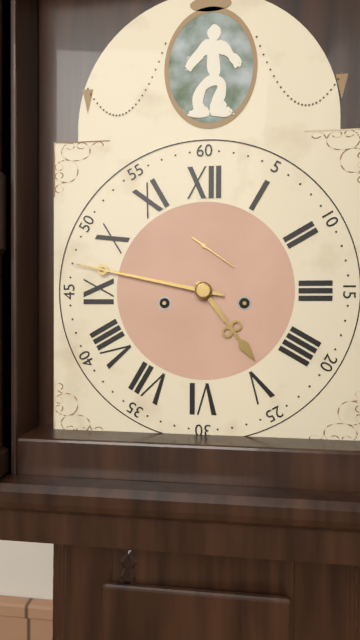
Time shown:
{"hour": 4, "minute": 47}
